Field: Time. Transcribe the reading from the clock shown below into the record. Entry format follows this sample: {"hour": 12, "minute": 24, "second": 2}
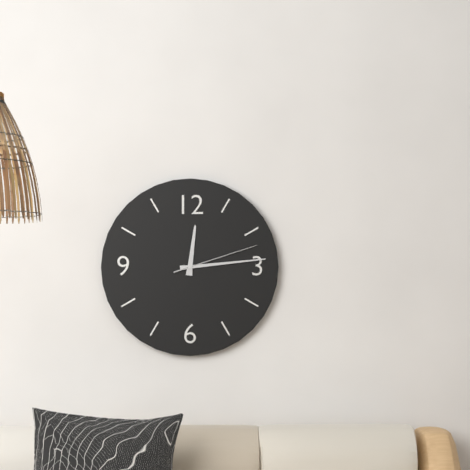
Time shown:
{"hour": 12, "minute": 14, "second": 12}
